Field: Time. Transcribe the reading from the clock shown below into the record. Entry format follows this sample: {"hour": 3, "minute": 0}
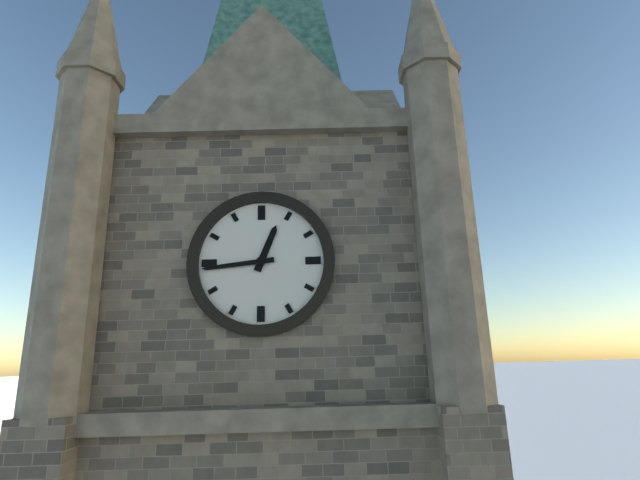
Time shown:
{"hour": 12, "minute": 44}
